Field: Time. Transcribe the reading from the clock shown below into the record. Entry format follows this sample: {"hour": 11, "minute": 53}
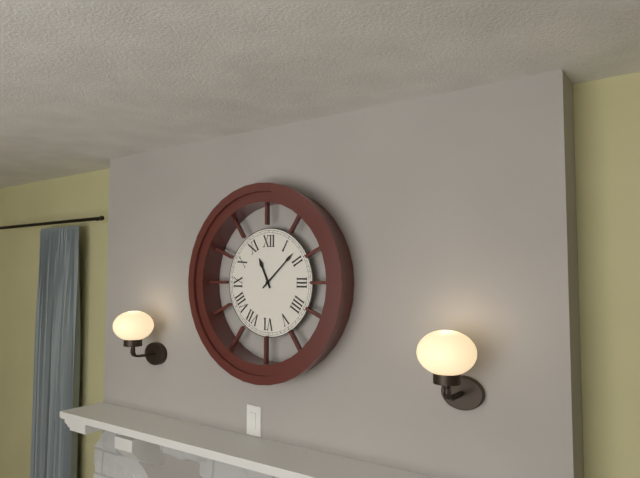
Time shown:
{"hour": 11, "minute": 8}
